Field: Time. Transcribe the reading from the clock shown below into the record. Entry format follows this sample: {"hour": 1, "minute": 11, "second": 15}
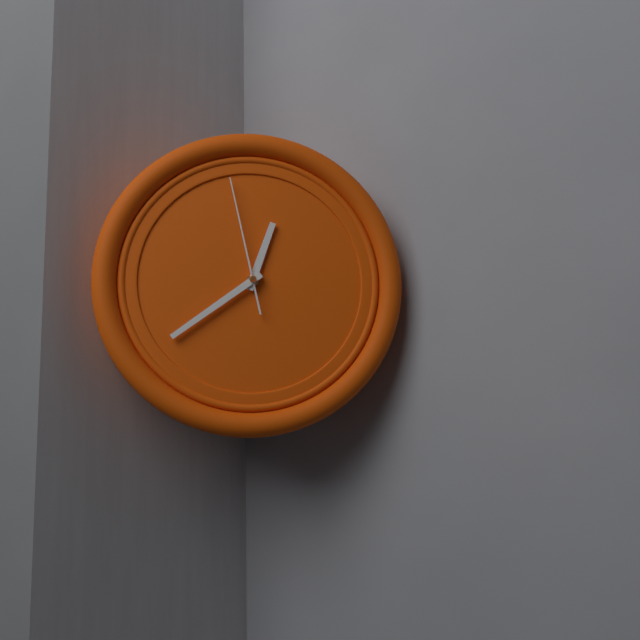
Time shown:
{"hour": 12, "minute": 39, "second": 58}
